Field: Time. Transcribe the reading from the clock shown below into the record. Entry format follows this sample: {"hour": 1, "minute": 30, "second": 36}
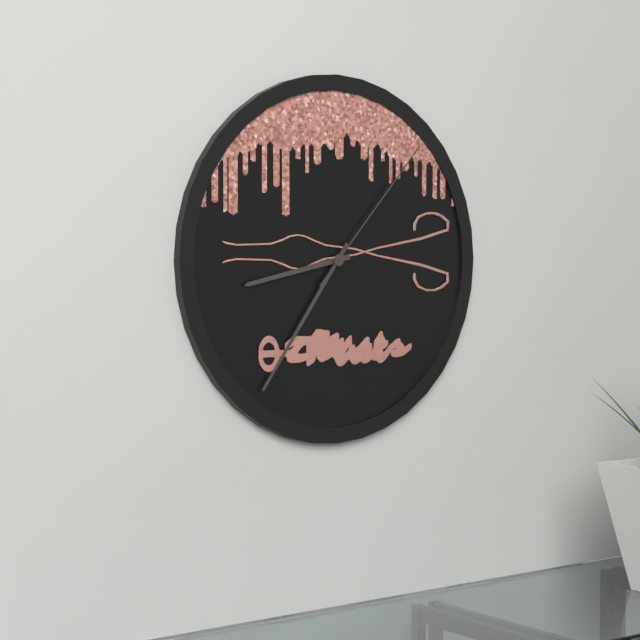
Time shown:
{"hour": 8, "minute": 36, "second": 7}
